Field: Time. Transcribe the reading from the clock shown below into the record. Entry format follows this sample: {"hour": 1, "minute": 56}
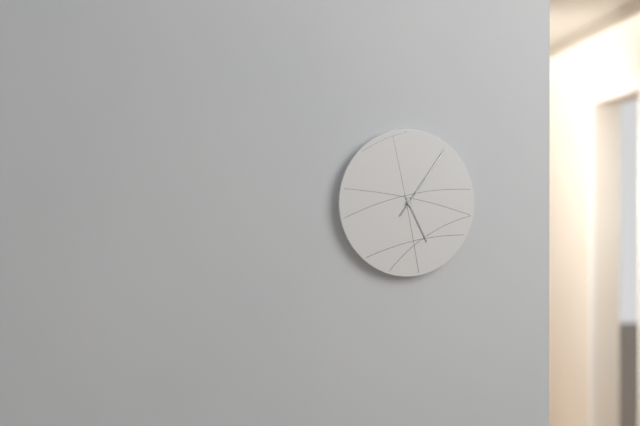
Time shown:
{"hour": 5, "minute": 6}
